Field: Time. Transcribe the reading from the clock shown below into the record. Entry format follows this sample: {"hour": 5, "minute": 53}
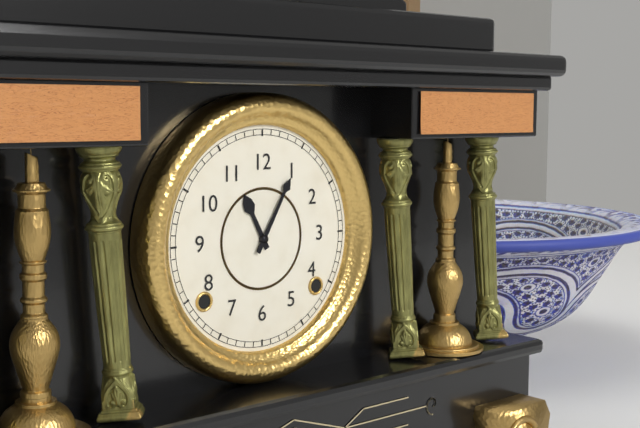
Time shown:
{"hour": 11, "minute": 5}
